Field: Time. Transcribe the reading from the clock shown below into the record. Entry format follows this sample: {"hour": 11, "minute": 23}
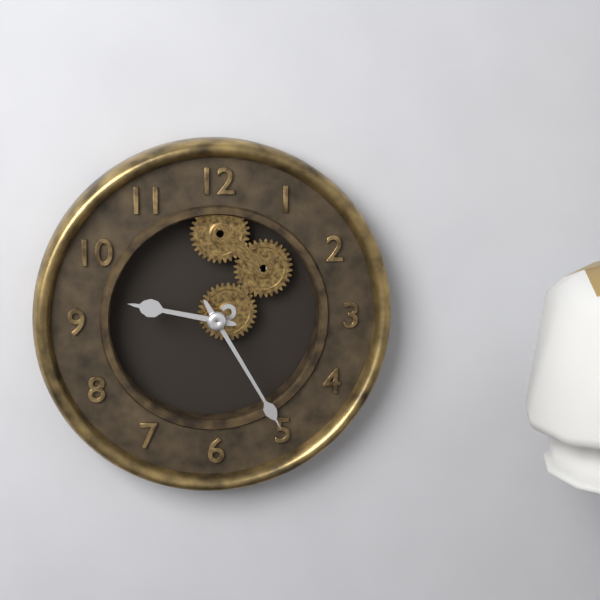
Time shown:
{"hour": 9, "minute": 25}
